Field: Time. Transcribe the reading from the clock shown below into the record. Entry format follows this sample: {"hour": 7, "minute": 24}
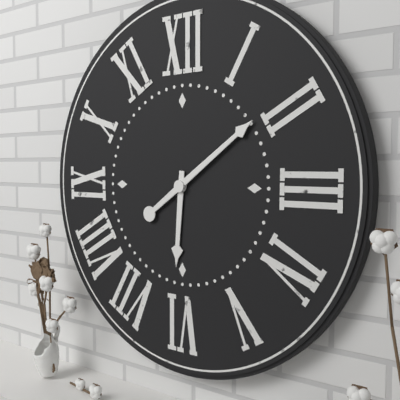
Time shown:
{"hour": 6, "minute": 9}
